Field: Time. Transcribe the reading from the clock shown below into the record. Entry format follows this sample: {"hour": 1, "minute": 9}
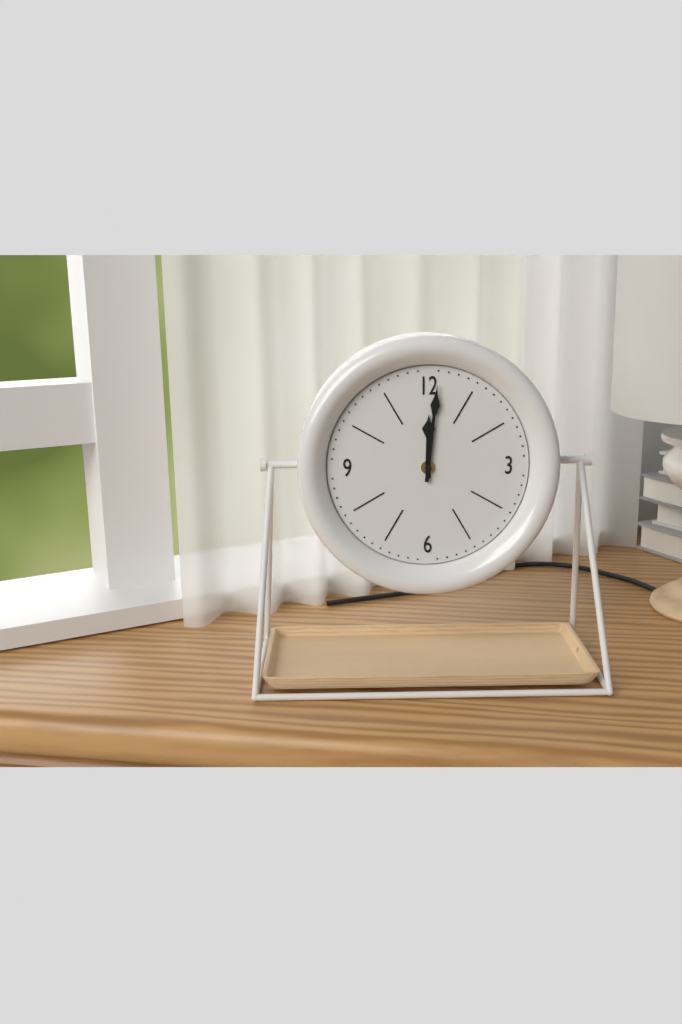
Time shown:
{"hour": 12, "minute": 1}
